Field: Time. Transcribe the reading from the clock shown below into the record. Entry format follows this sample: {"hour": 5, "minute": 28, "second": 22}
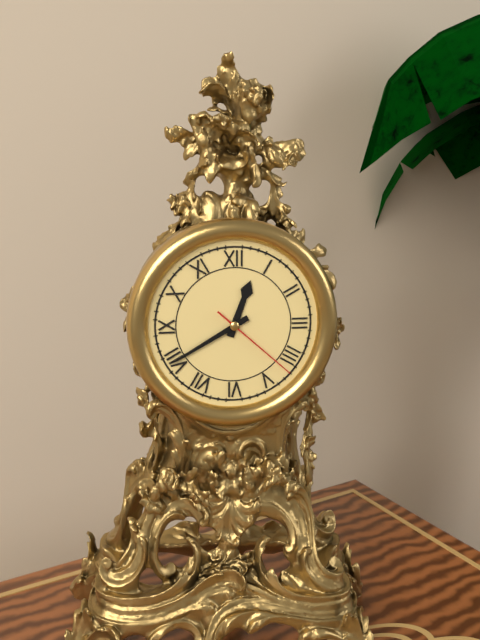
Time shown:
{"hour": 12, "minute": 40, "second": 22}
